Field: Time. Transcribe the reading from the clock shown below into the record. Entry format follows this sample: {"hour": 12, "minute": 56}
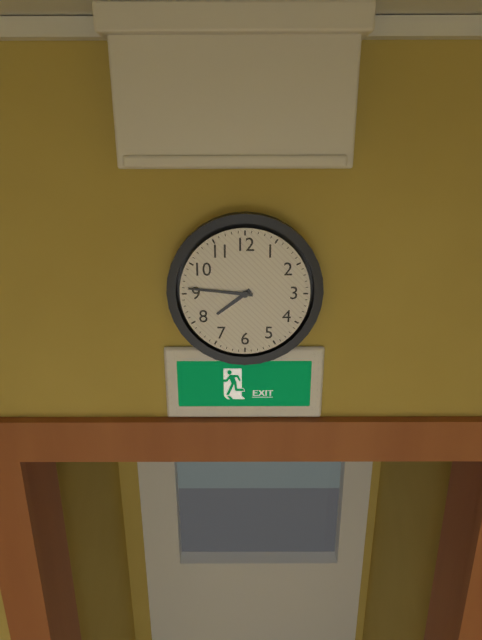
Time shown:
{"hour": 7, "minute": 46}
